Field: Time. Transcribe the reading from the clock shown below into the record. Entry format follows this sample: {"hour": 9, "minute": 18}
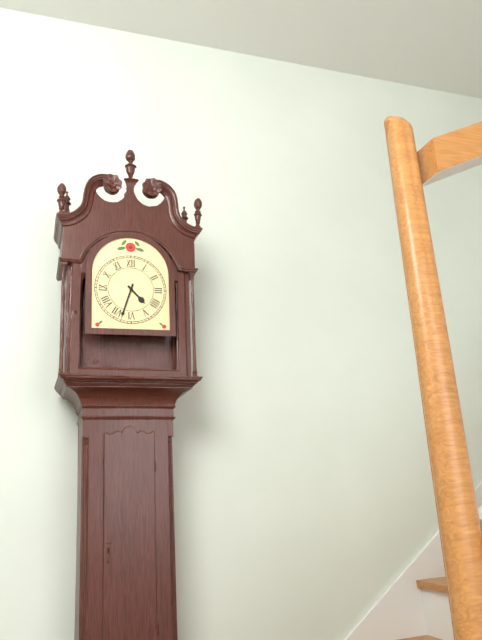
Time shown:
{"hour": 4, "minute": 33}
